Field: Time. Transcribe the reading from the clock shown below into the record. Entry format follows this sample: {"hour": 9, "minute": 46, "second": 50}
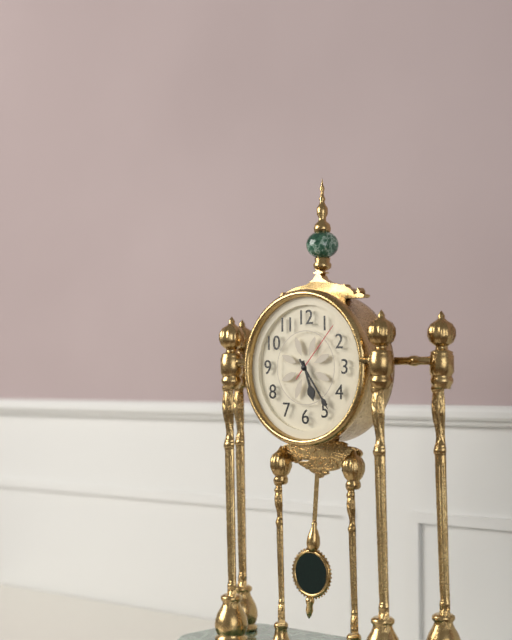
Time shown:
{"hour": 5, "minute": 24, "second": 7}
